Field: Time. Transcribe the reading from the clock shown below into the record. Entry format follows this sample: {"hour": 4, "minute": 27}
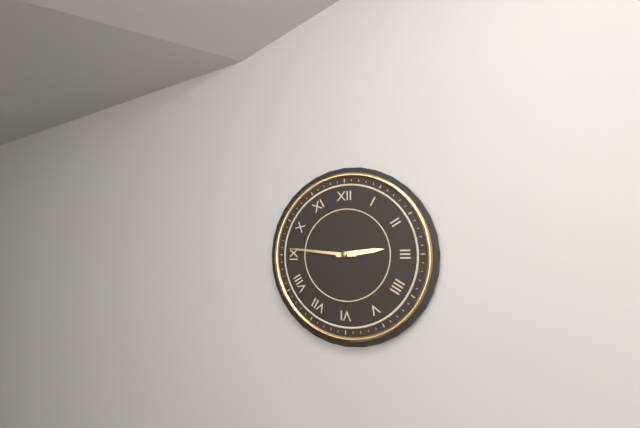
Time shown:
{"hour": 2, "minute": 46}
